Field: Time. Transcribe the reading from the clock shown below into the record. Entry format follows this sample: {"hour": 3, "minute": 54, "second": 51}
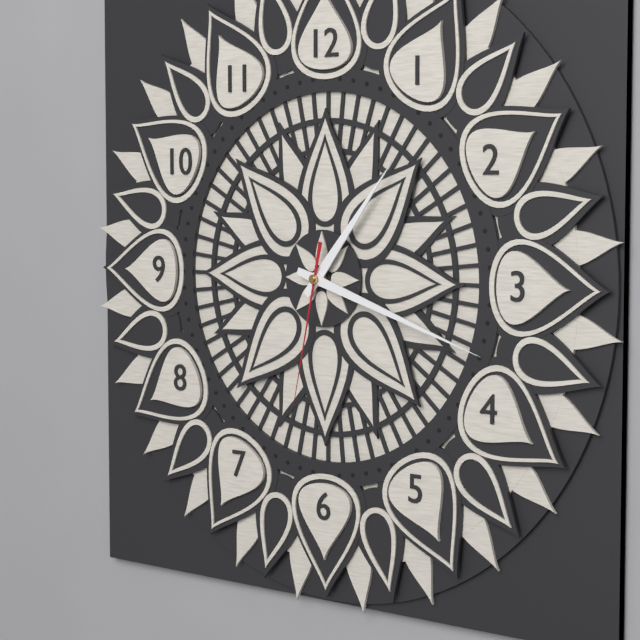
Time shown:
{"hour": 1, "minute": 18, "second": 32}
